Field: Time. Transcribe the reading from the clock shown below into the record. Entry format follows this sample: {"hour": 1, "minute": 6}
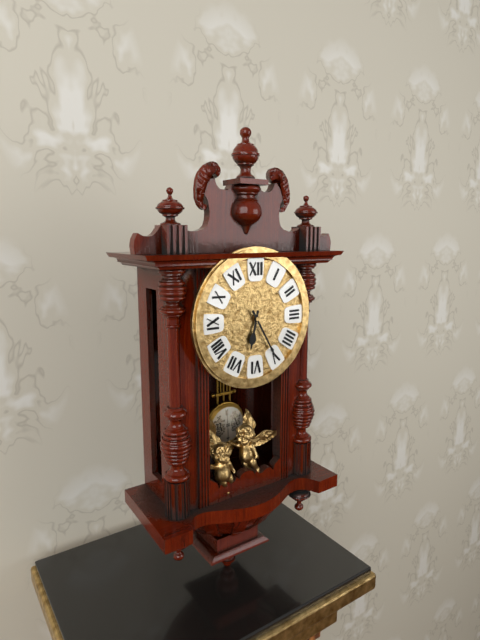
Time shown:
{"hour": 6, "minute": 25}
